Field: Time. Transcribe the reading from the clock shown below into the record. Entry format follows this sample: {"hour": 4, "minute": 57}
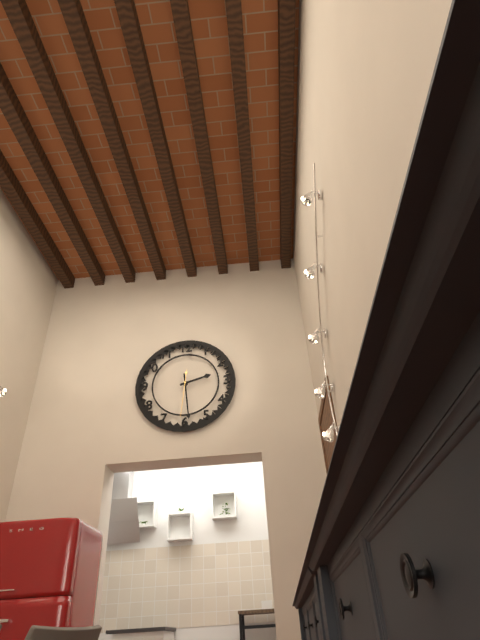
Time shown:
{"hour": 2, "minute": 29}
